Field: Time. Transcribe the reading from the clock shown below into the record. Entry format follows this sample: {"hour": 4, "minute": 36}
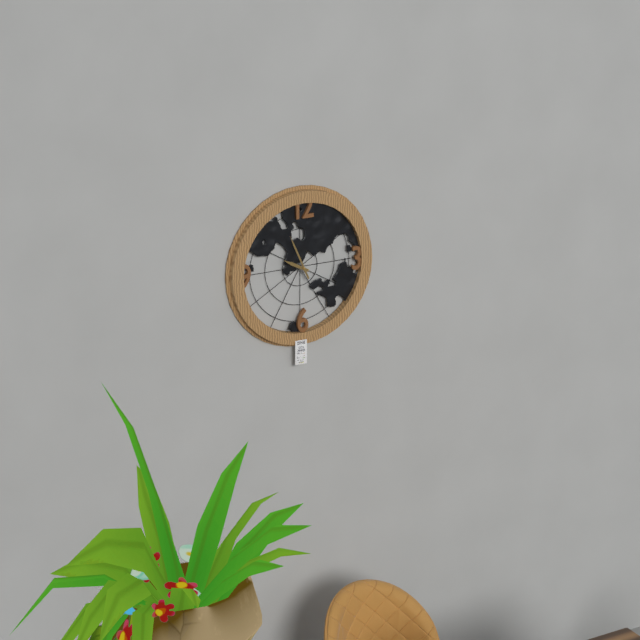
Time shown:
{"hour": 9, "minute": 56}
